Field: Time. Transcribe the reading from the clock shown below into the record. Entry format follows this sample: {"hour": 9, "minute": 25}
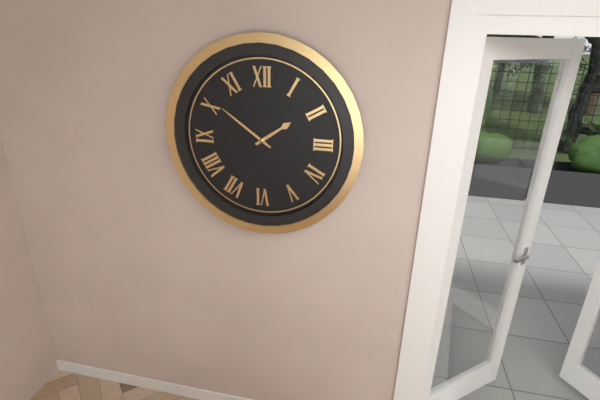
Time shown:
{"hour": 1, "minute": 51}
